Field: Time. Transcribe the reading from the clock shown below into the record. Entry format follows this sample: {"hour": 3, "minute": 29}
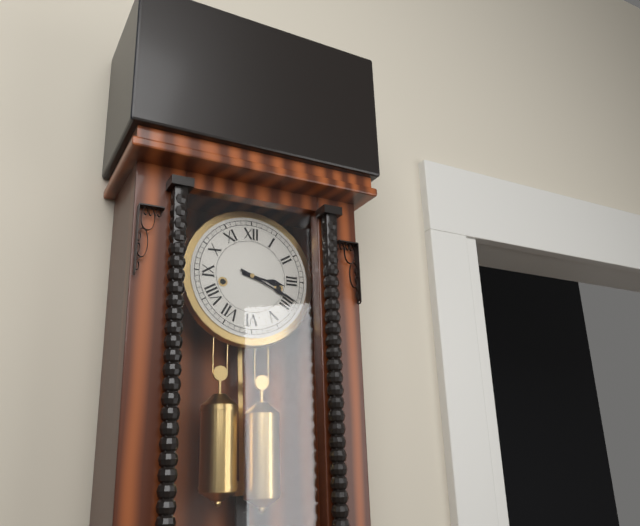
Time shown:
{"hour": 3, "minute": 19}
